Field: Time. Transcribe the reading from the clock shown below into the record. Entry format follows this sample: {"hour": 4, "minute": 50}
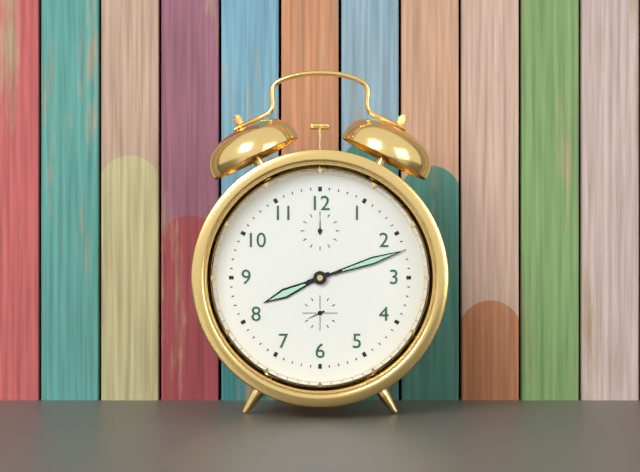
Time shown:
{"hour": 8, "minute": 12}
